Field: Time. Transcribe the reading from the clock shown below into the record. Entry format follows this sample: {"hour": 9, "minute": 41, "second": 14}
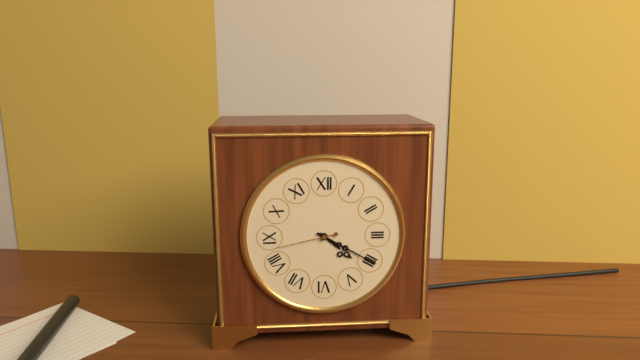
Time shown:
{"hour": 4, "minute": 20, "second": 43}
